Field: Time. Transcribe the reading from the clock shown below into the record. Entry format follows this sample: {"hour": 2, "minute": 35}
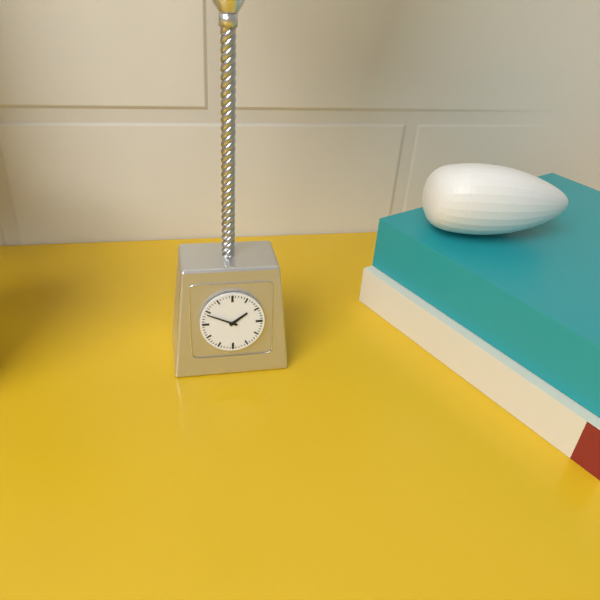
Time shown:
{"hour": 1, "minute": 49}
